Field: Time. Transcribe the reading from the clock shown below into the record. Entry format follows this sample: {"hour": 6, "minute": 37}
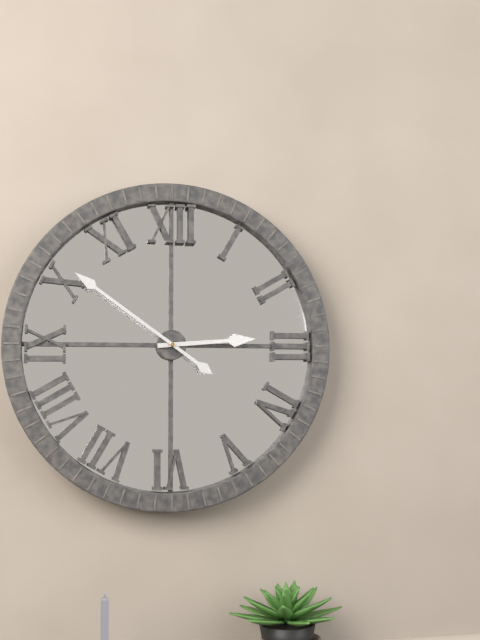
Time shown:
{"hour": 2, "minute": 51}
